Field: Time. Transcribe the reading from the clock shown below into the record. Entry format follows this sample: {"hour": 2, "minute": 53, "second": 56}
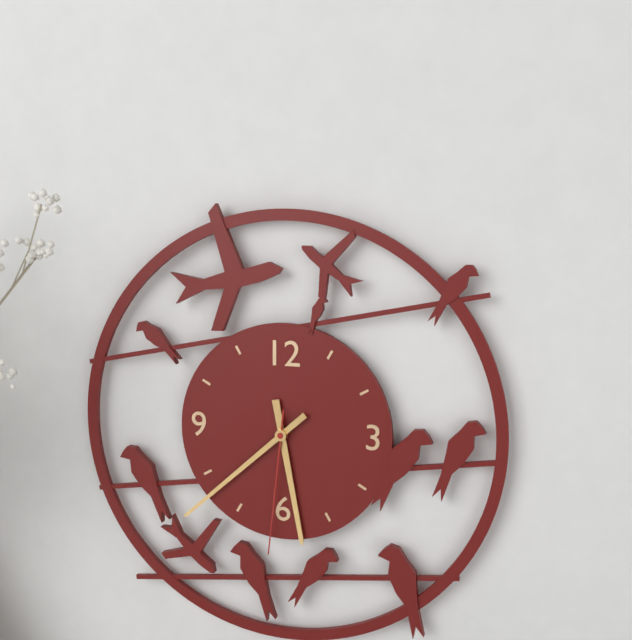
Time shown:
{"hour": 5, "minute": 38, "second": 31}
